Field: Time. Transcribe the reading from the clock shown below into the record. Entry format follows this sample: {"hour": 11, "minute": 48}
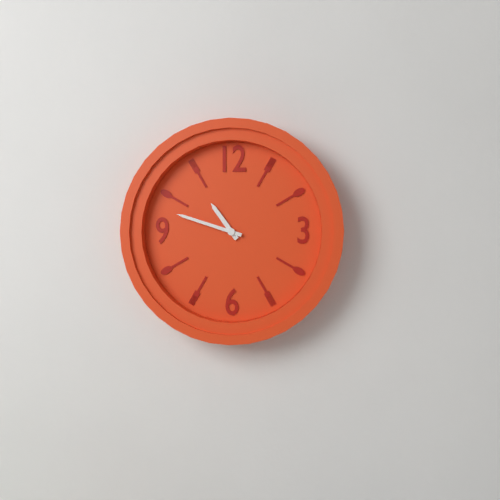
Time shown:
{"hour": 10, "minute": 48}
